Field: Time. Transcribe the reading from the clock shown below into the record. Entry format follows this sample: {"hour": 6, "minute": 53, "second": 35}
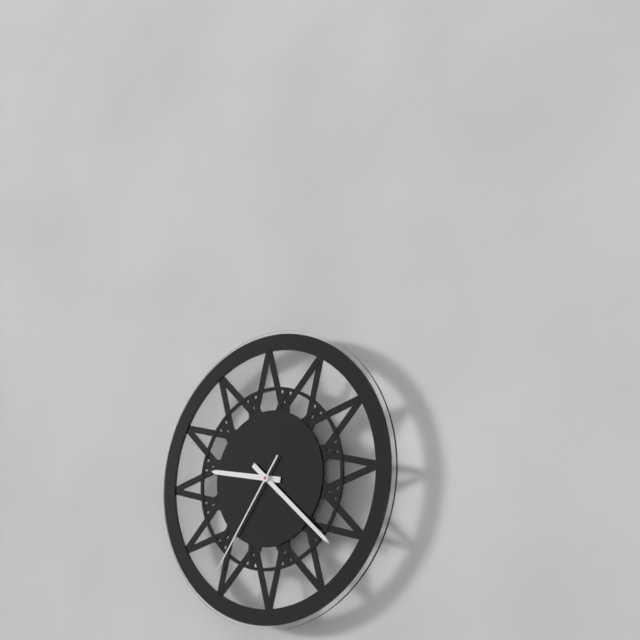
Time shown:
{"hour": 9, "minute": 22, "second": 36}
